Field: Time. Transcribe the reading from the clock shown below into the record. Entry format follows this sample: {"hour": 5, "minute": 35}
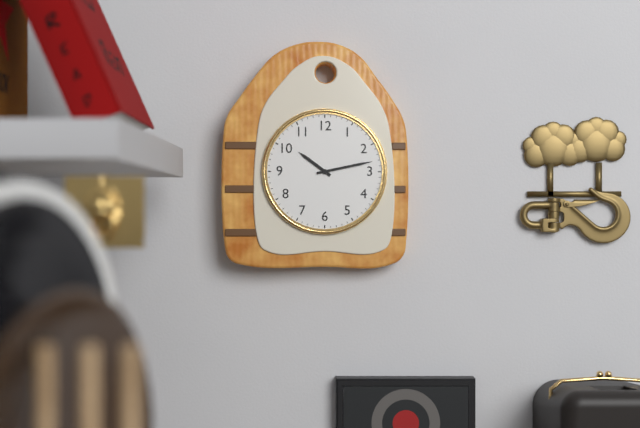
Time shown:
{"hour": 10, "minute": 13}
